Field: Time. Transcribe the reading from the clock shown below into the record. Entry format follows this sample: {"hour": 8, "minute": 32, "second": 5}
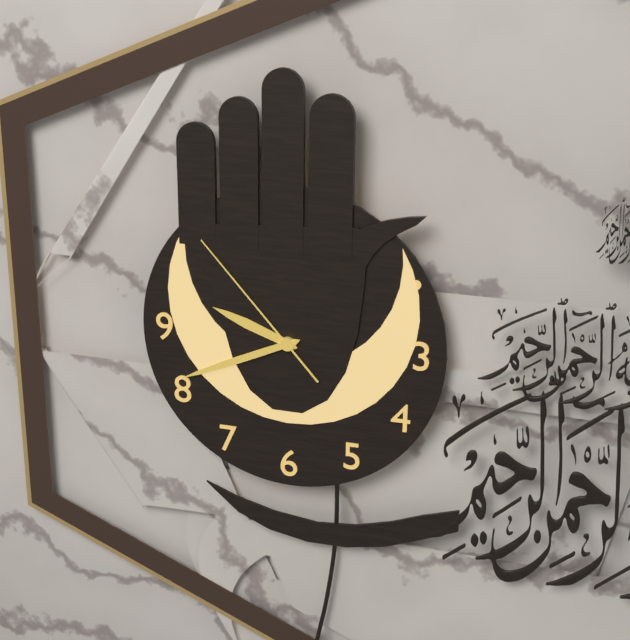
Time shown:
{"hour": 9, "minute": 41, "second": 53}
